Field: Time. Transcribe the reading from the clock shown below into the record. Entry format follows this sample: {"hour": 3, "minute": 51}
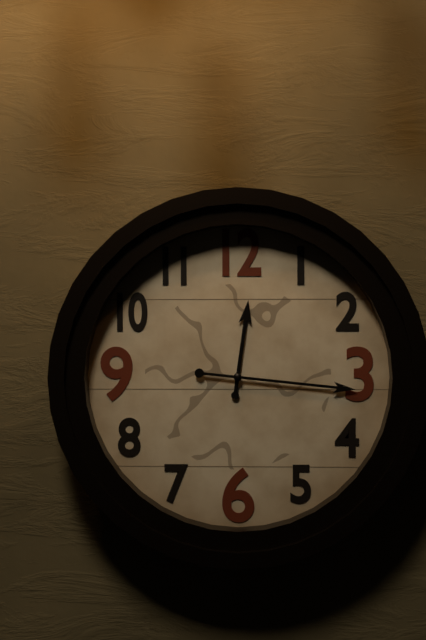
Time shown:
{"hour": 12, "minute": 16}
